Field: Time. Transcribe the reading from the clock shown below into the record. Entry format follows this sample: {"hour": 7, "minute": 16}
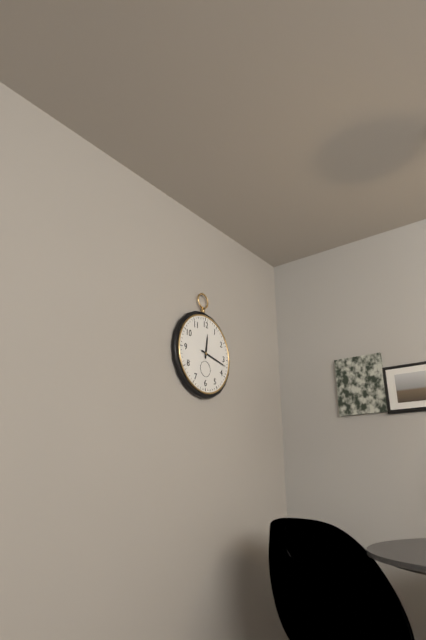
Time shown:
{"hour": 12, "minute": 17}
